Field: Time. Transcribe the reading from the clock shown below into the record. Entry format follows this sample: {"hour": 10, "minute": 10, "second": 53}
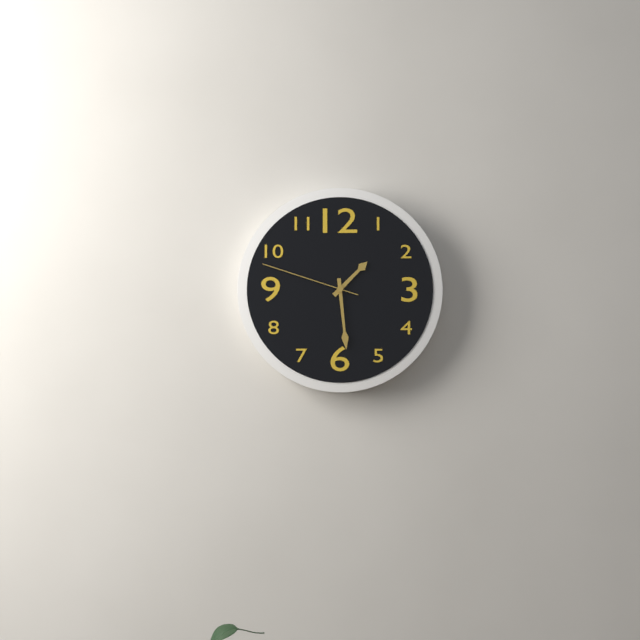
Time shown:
{"hour": 1, "minute": 29, "second": 48}
